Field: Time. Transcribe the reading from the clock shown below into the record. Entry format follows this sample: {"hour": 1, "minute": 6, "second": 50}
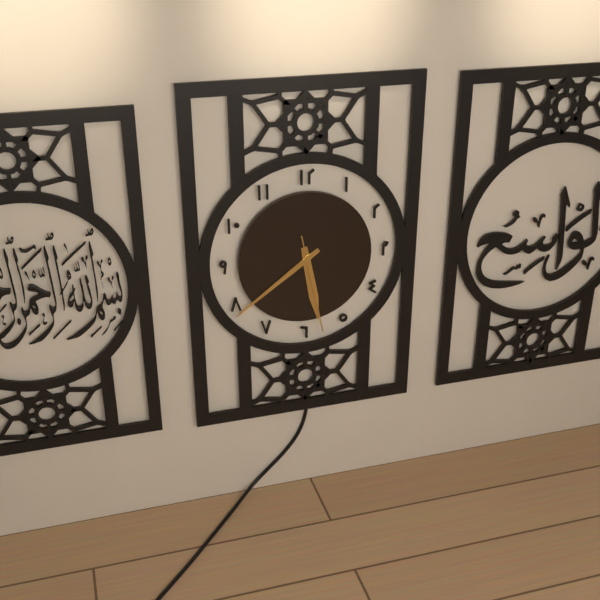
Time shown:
{"hour": 5, "minute": 39, "second": 28}
